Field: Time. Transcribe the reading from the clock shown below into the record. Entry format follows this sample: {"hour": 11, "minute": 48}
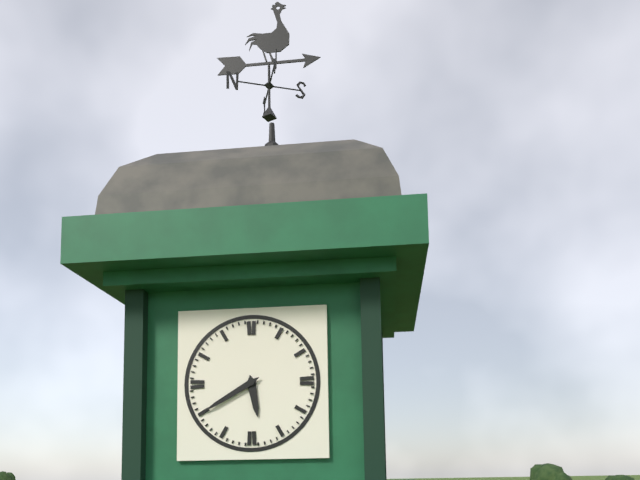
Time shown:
{"hour": 5, "minute": 40}
